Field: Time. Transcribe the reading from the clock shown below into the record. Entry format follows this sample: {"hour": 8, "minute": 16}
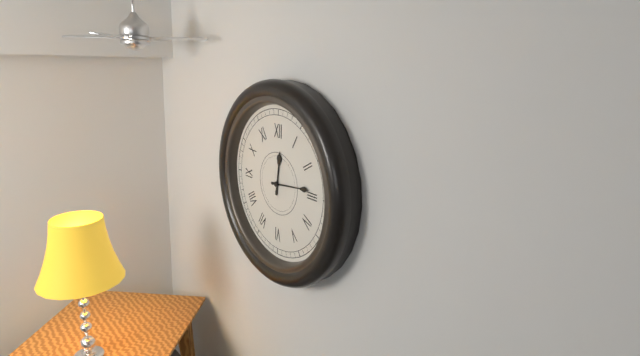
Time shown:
{"hour": 12, "minute": 14}
